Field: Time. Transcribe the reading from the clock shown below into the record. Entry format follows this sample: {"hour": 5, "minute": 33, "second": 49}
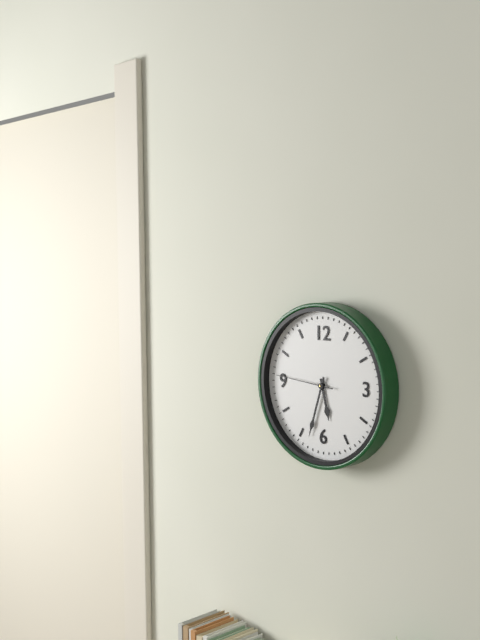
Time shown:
{"hour": 5, "minute": 33, "second": 46}
